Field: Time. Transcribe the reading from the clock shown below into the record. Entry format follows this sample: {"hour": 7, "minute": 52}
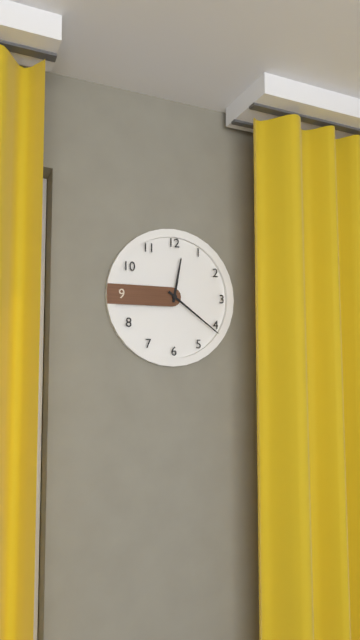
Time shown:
{"hour": 12, "minute": 21}
